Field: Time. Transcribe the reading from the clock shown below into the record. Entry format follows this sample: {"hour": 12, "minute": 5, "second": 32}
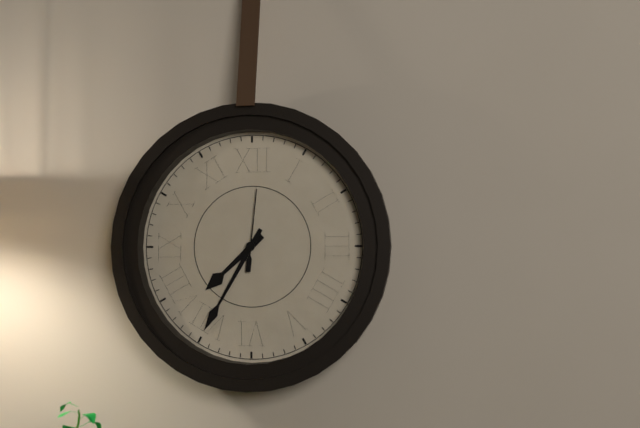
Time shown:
{"hour": 7, "minute": 35, "second": 1}
